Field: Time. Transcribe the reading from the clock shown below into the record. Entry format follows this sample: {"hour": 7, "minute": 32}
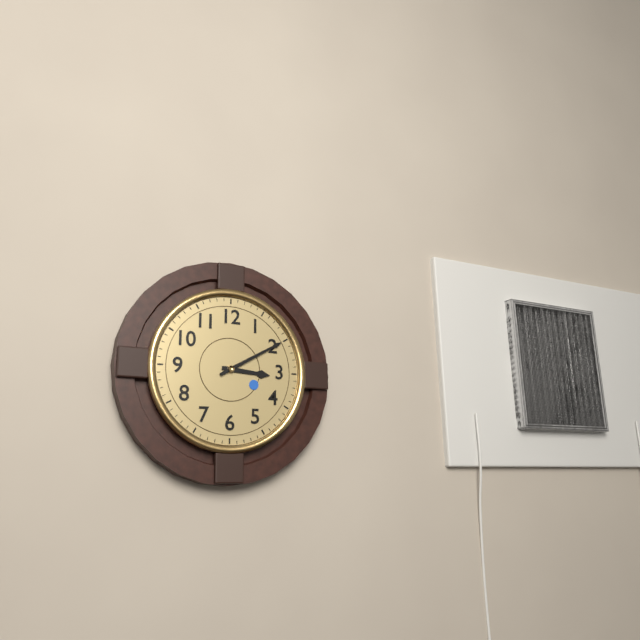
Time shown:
{"hour": 3, "minute": 10}
